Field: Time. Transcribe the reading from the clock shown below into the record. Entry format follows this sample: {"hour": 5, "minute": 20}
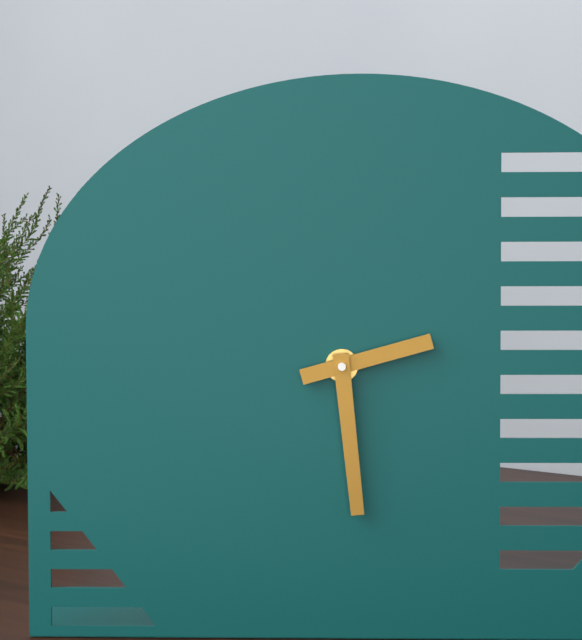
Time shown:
{"hour": 2, "minute": 29}
